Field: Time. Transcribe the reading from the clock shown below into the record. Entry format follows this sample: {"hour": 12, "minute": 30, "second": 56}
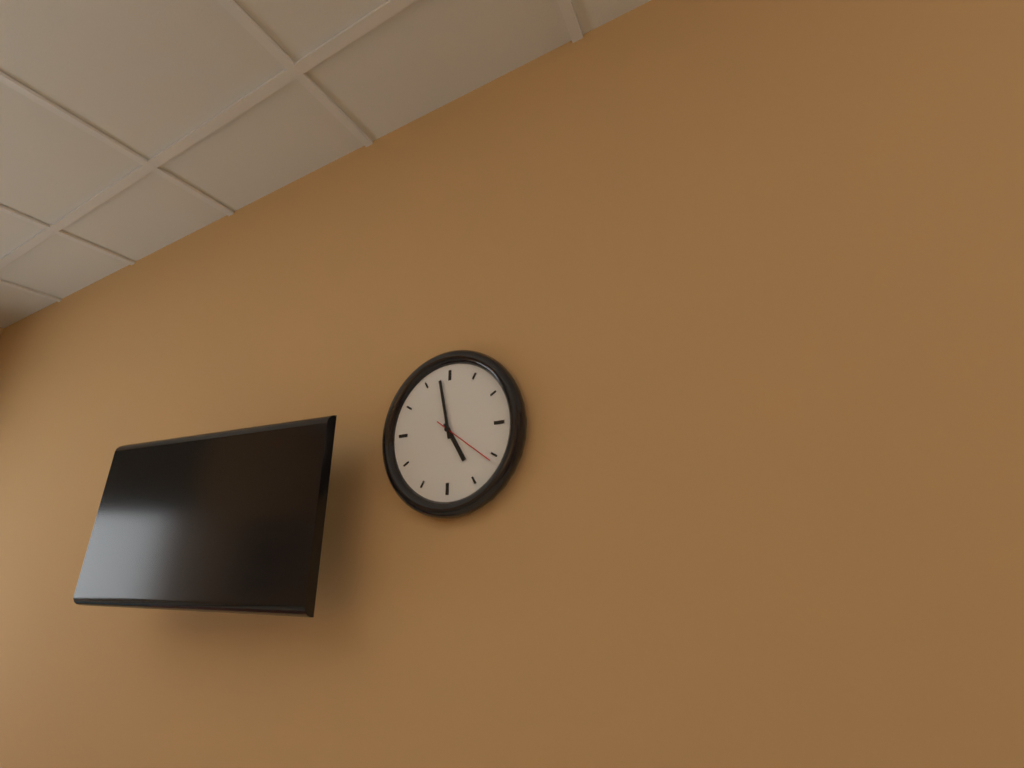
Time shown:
{"hour": 4, "minute": 58, "second": 21}
